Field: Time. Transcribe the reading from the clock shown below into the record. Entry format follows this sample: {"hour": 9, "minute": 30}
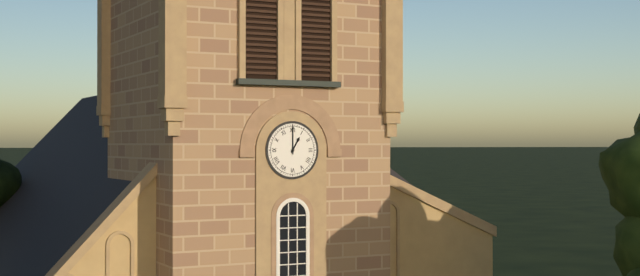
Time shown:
{"hour": 1, "minute": 0}
